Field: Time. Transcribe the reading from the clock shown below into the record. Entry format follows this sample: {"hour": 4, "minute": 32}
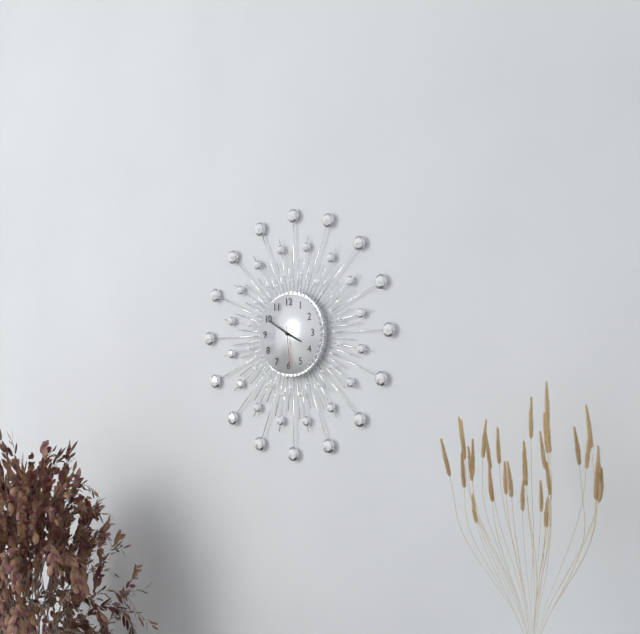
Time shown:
{"hour": 3, "minute": 50}
